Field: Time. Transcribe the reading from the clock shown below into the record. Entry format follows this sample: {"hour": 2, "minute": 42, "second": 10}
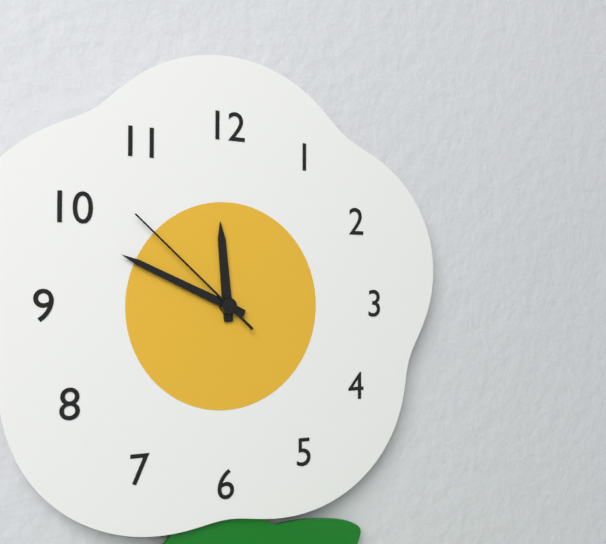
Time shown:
{"hour": 11, "minute": 49, "second": 52}
